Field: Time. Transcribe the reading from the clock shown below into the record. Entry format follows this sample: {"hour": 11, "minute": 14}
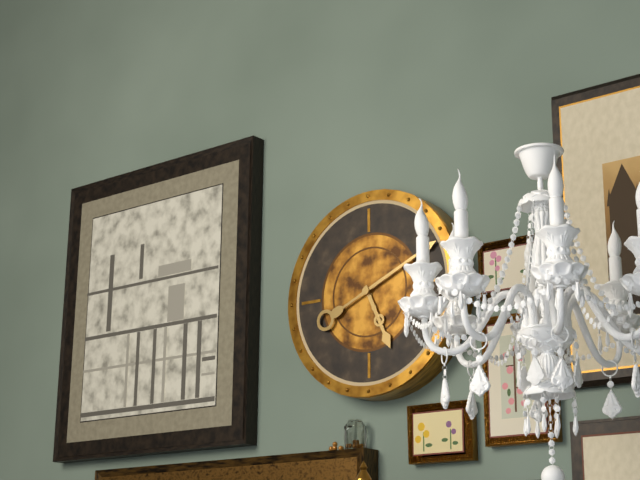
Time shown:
{"hour": 5, "minute": 11}
